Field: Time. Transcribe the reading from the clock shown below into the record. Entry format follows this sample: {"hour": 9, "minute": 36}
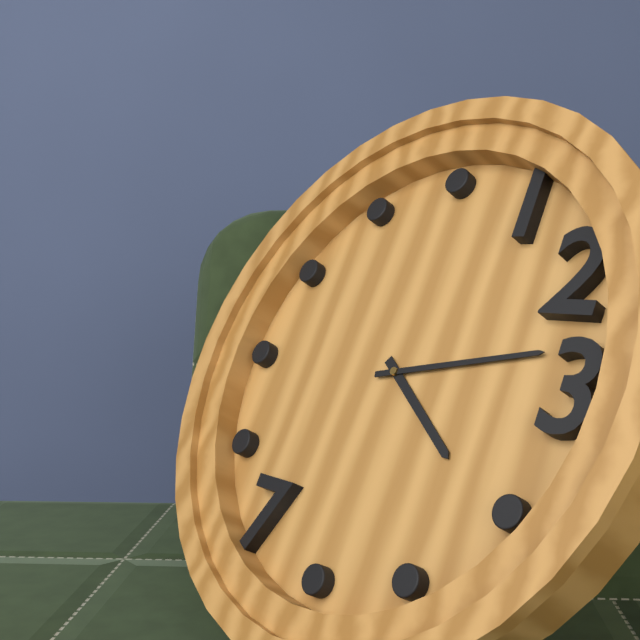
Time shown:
{"hour": 4, "minute": 13}
